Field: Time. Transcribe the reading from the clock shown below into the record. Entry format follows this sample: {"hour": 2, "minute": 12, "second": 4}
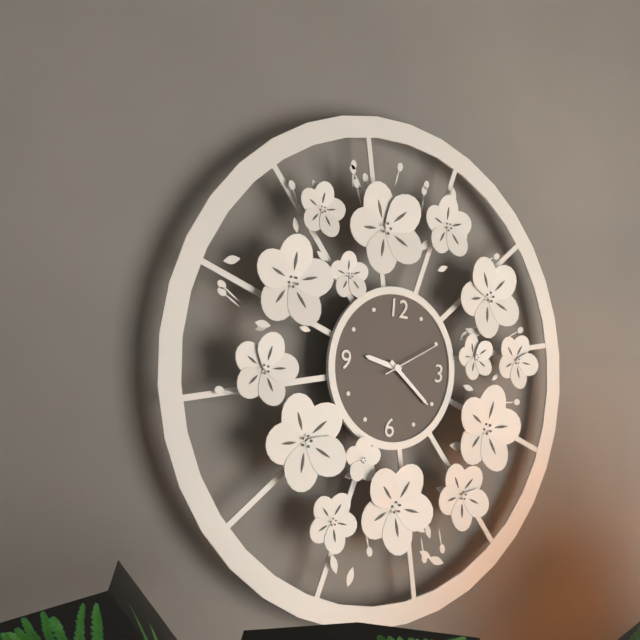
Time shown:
{"hour": 9, "minute": 21, "second": 10}
